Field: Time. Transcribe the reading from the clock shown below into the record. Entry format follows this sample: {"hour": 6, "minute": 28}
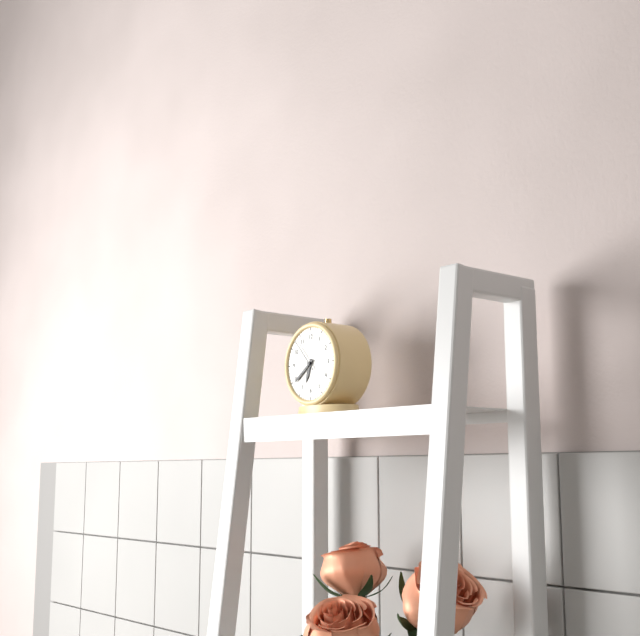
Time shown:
{"hour": 6, "minute": 39}
